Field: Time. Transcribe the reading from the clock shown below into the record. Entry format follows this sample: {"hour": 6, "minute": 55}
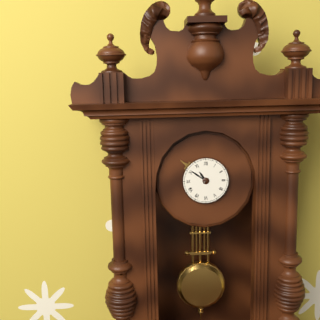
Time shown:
{"hour": 10, "minute": 51}
